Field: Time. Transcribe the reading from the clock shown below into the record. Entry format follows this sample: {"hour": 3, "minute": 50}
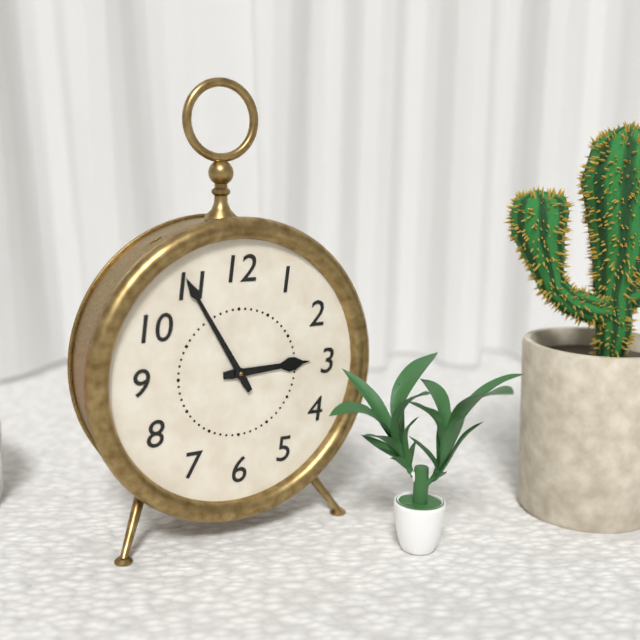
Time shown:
{"hour": 2, "minute": 55}
